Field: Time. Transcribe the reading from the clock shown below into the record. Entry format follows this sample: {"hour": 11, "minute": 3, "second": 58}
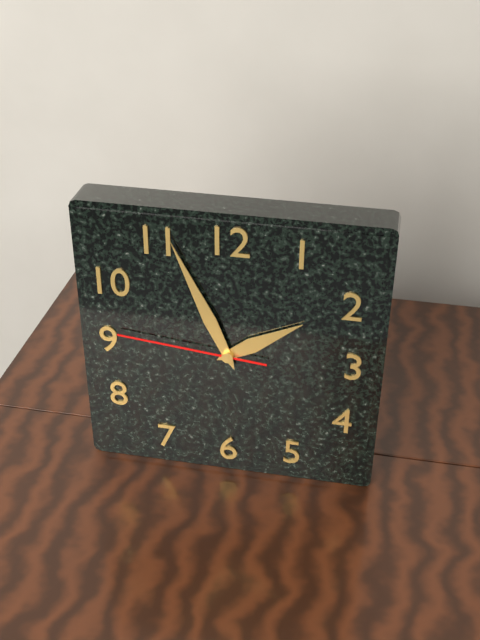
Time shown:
{"hour": 1, "minute": 56, "second": 46}
